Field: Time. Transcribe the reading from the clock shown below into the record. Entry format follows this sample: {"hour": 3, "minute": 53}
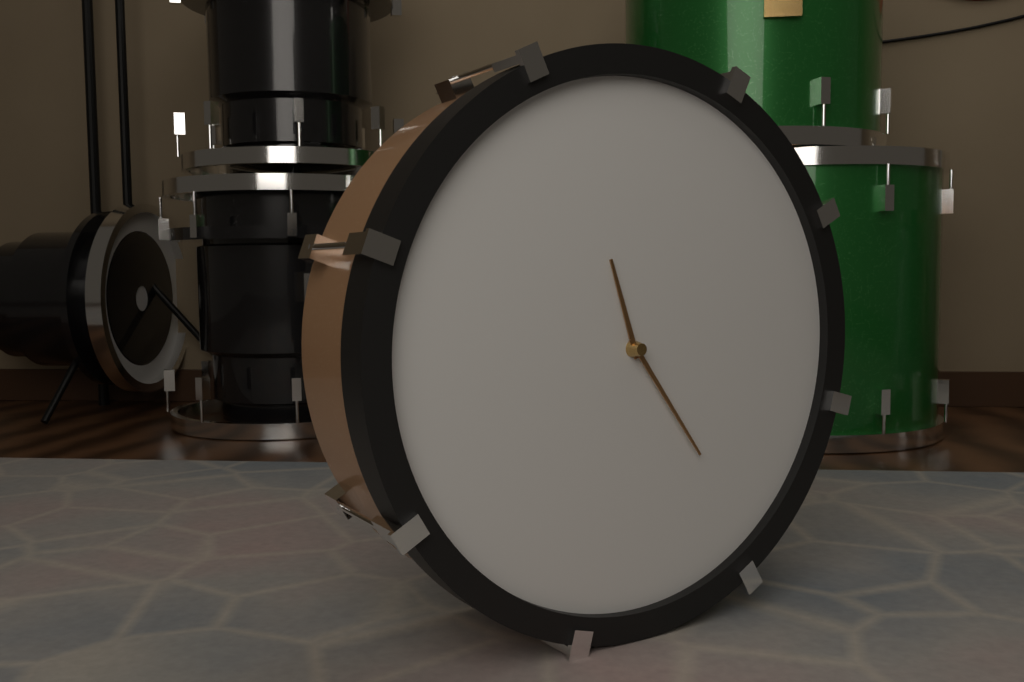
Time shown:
{"hour": 11, "minute": 24}
